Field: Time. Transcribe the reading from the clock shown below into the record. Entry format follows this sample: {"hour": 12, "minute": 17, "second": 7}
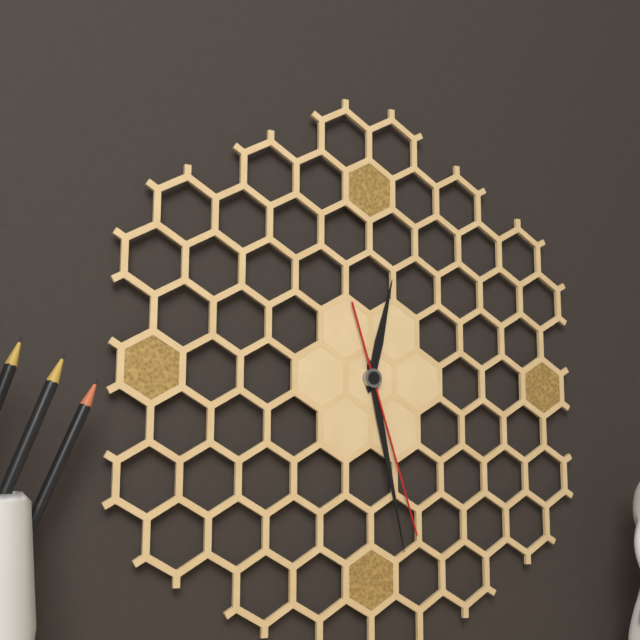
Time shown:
{"hour": 12, "minute": 28, "second": 27}
